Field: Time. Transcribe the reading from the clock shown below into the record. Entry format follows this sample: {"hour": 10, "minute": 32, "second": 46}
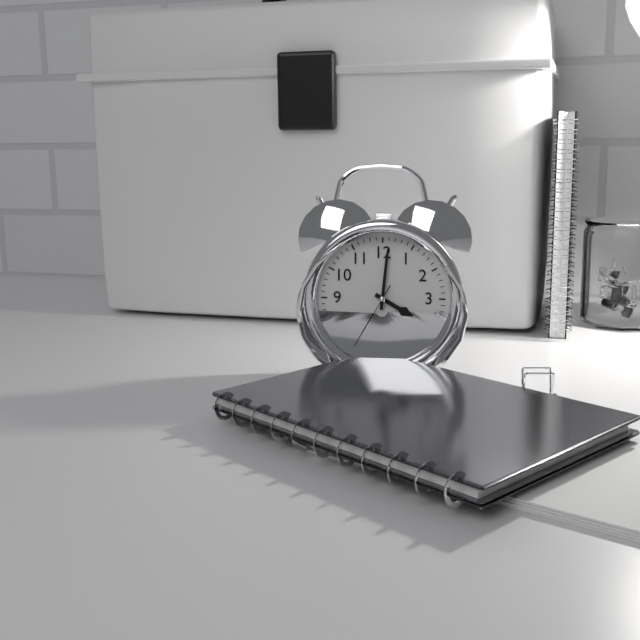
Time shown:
{"hour": 4, "minute": 1, "second": 35}
